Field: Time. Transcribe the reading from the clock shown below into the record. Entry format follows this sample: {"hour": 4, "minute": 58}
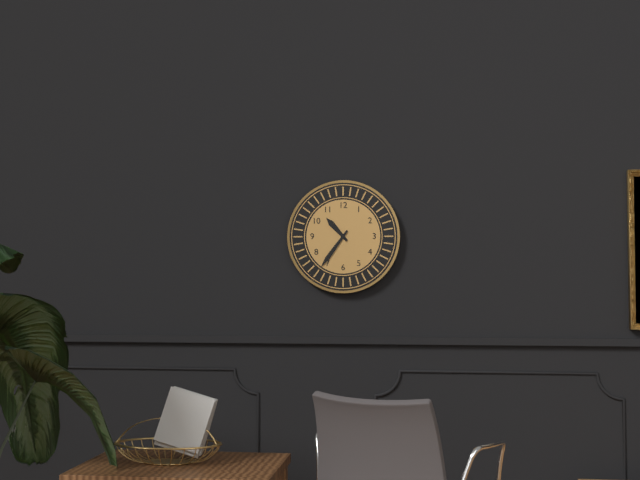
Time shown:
{"hour": 10, "minute": 36}
